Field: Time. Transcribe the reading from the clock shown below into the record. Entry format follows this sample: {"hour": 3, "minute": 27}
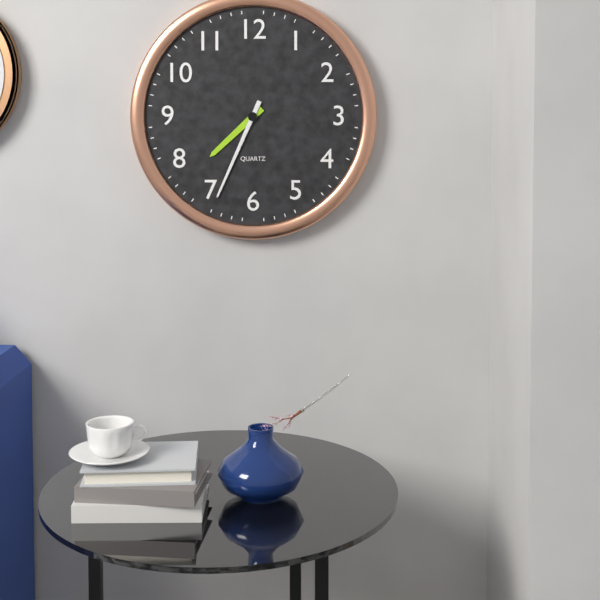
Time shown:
{"hour": 7, "minute": 34}
